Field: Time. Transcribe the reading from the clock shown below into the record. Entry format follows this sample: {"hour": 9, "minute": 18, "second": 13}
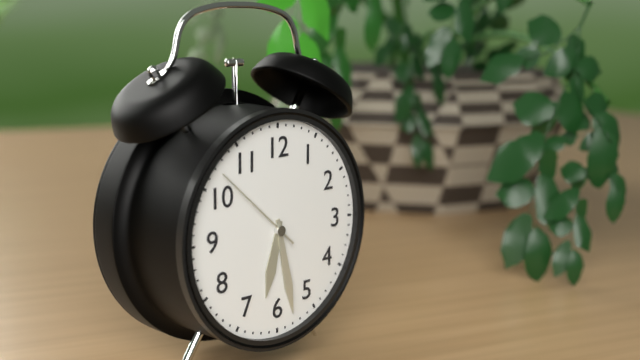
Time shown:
{"hour": 6, "minute": 28, "second": 52}
